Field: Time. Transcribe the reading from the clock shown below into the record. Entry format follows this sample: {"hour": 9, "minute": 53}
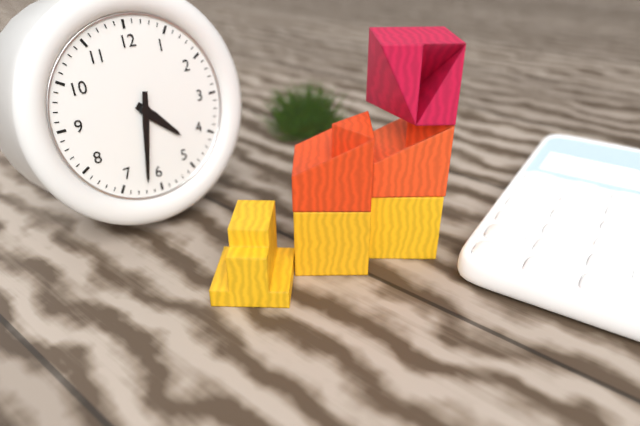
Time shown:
{"hour": 4, "minute": 32}
